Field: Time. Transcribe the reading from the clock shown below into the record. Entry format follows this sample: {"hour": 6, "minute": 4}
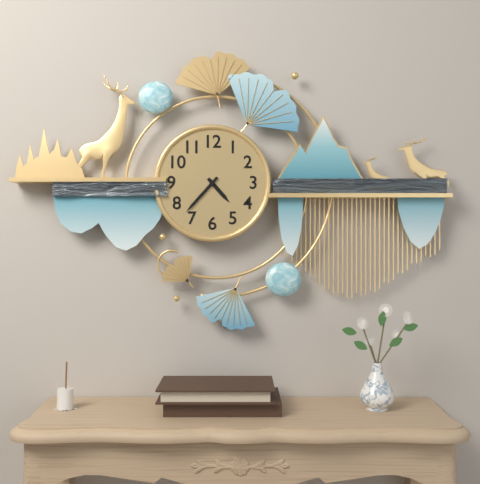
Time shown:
{"hour": 4, "minute": 37}
